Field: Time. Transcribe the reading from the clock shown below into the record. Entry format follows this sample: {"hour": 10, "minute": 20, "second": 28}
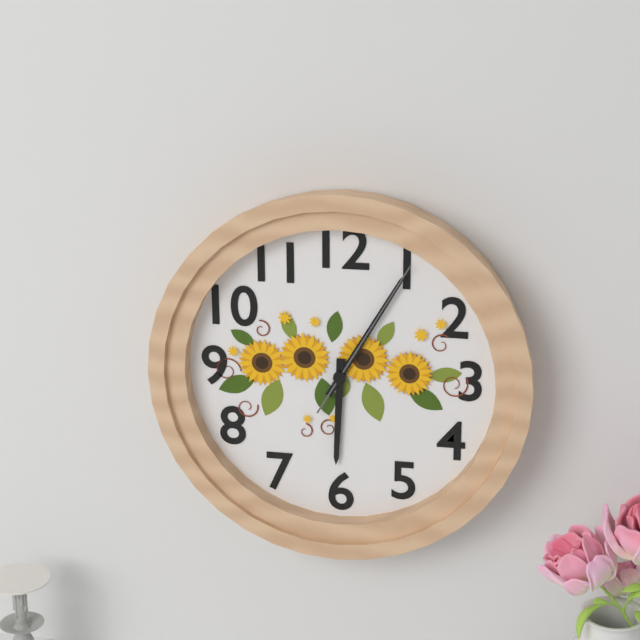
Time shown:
{"hour": 6, "minute": 5, "second": 5}
